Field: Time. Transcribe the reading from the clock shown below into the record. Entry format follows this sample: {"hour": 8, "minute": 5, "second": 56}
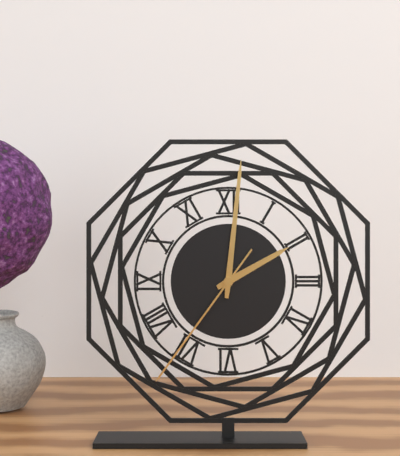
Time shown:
{"hour": 2, "minute": 1, "second": 36}
